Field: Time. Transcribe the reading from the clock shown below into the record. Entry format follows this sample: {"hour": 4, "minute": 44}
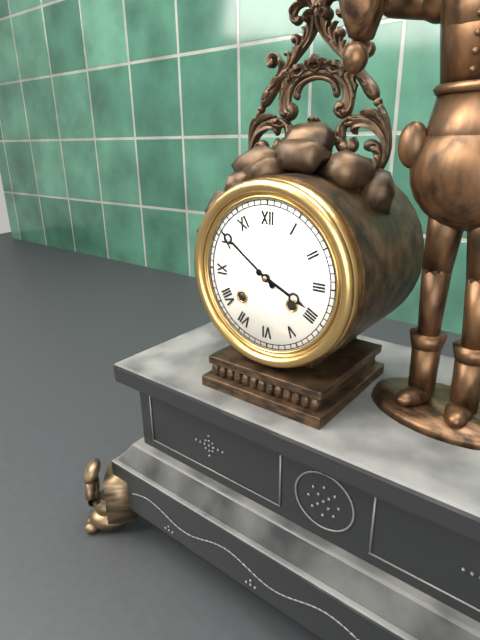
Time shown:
{"hour": 3, "minute": 51}
